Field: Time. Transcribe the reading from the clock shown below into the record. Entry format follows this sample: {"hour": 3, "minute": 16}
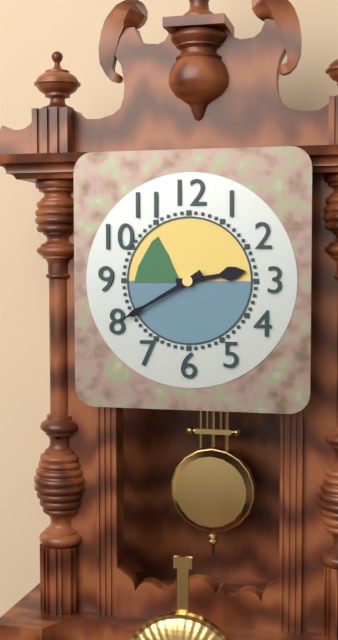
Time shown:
{"hour": 2, "minute": 40}
